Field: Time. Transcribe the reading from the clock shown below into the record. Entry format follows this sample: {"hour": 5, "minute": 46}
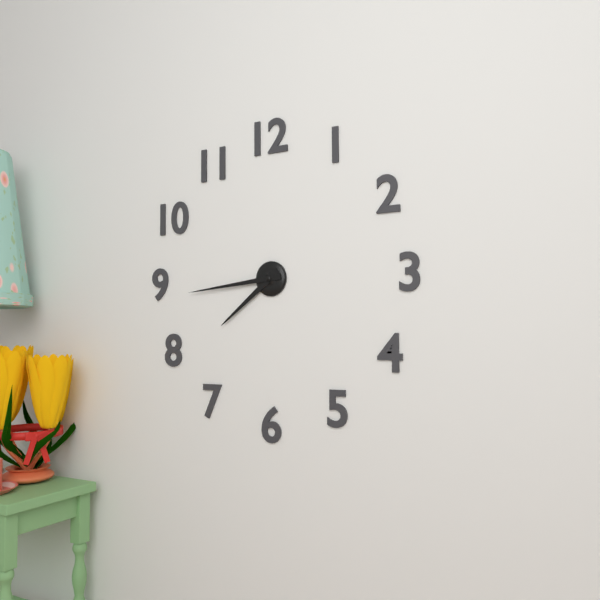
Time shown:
{"hour": 7, "minute": 44}
